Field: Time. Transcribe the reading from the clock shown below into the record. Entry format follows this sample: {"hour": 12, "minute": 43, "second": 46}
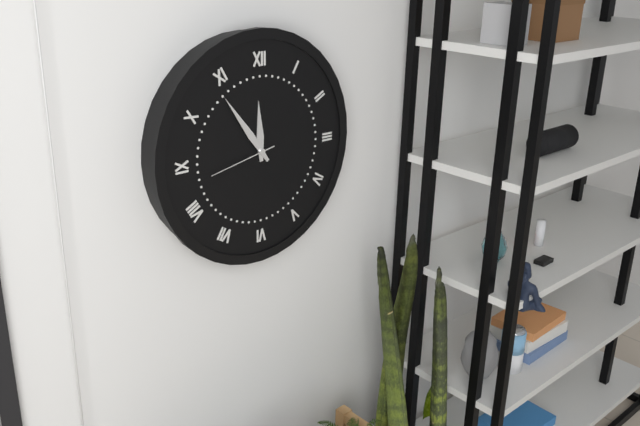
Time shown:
{"hour": 11, "minute": 54, "second": 43}
